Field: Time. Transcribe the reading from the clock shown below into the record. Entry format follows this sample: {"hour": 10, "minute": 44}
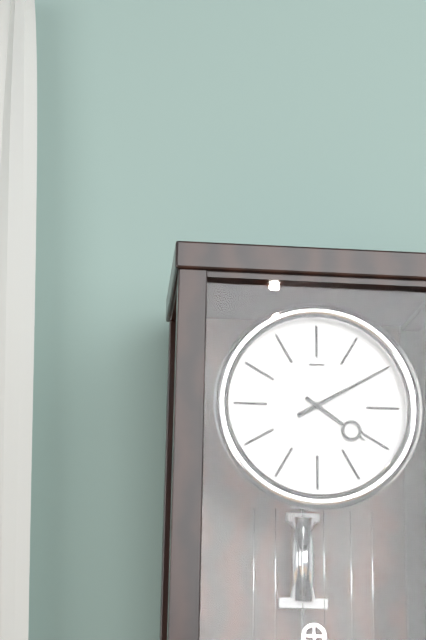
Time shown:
{"hour": 4, "minute": 10}
